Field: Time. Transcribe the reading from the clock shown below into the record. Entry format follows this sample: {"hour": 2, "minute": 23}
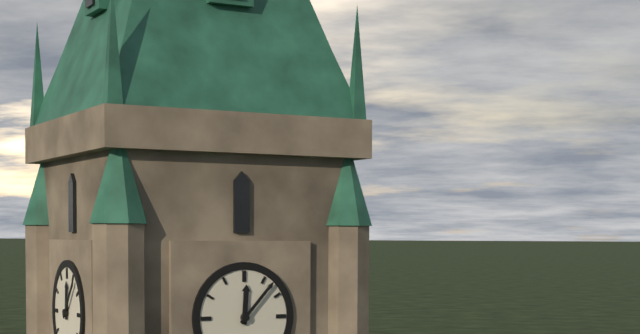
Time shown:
{"hour": 12, "minute": 7}
